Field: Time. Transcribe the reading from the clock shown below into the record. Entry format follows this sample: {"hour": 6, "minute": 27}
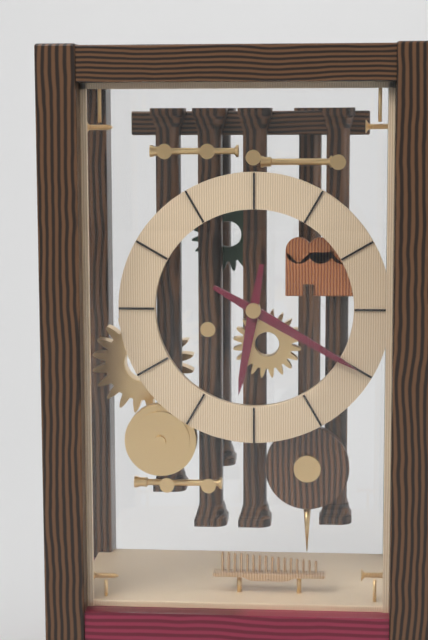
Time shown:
{"hour": 6, "minute": 20}
